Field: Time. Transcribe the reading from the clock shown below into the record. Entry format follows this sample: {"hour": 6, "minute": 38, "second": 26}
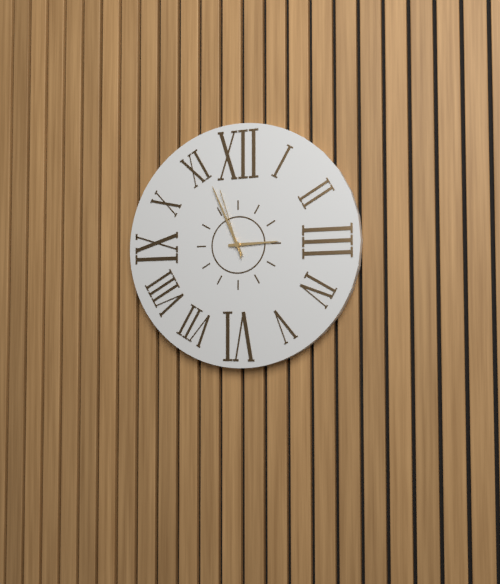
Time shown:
{"hour": 2, "minute": 56, "second": 57}
